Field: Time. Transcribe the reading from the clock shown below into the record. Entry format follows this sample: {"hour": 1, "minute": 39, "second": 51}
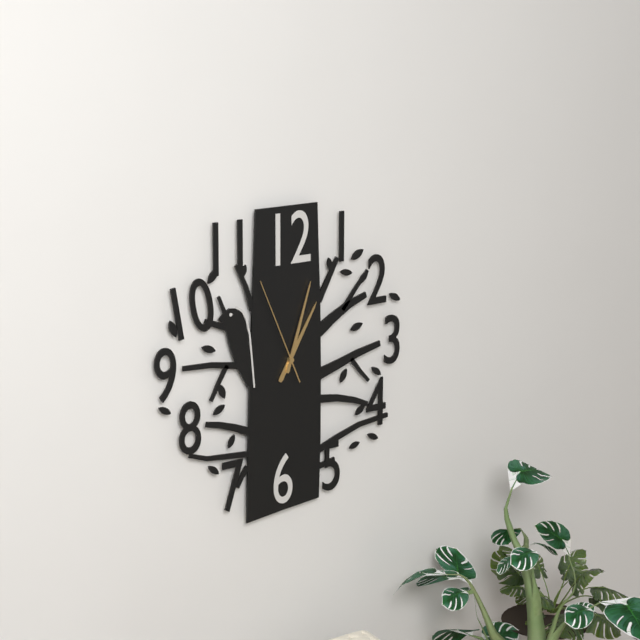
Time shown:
{"hour": 1, "minute": 3, "second": 56}
